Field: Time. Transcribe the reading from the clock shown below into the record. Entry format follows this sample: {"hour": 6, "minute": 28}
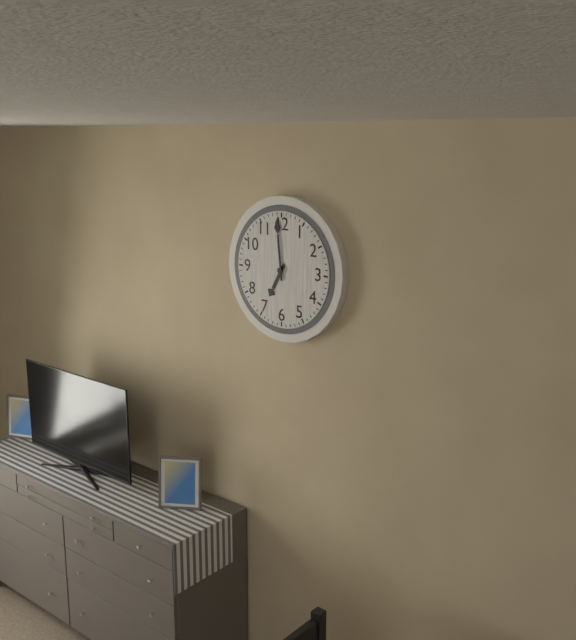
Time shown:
{"hour": 6, "minute": 59}
